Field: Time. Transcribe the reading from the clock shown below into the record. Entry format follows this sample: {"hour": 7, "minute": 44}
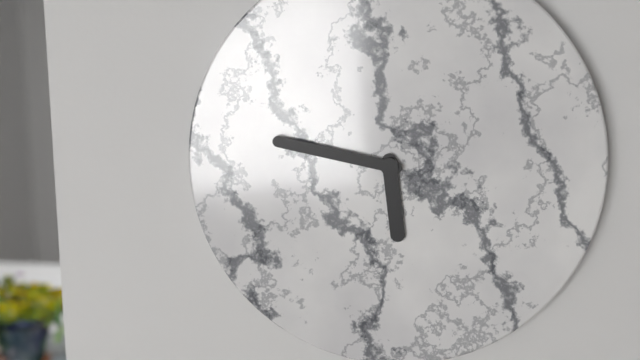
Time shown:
{"hour": 5, "minute": 47}
